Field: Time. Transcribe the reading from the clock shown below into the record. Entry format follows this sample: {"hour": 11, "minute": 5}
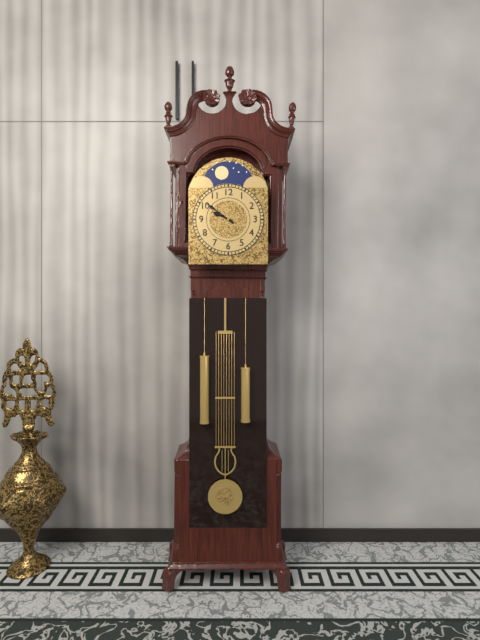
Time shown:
{"hour": 9, "minute": 51}
